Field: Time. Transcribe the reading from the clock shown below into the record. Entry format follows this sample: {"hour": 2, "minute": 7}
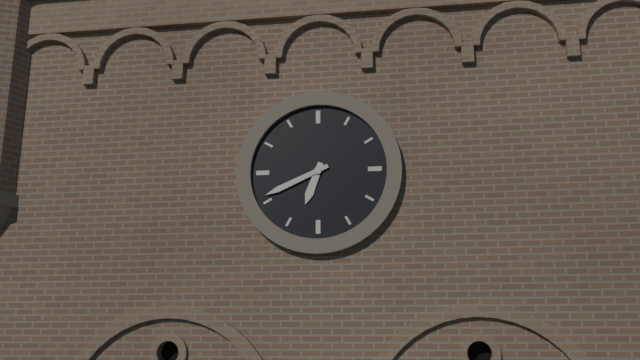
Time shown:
{"hour": 6, "minute": 41}
